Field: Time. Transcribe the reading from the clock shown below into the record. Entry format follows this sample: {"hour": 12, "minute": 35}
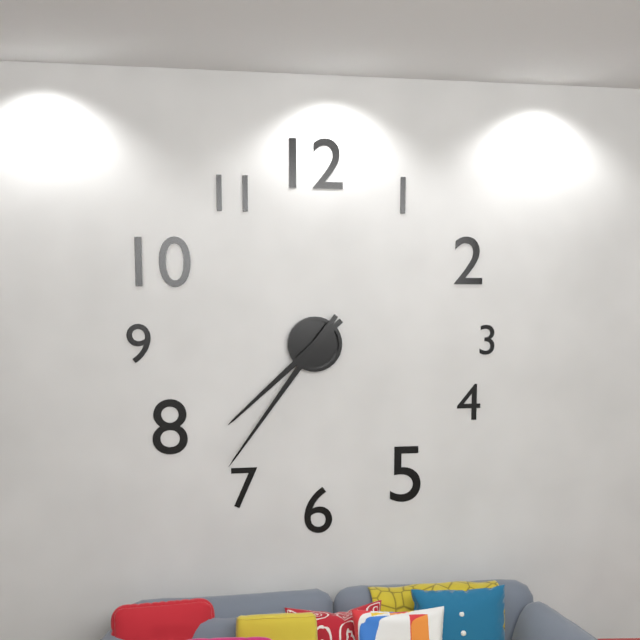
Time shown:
{"hour": 7, "minute": 36}
